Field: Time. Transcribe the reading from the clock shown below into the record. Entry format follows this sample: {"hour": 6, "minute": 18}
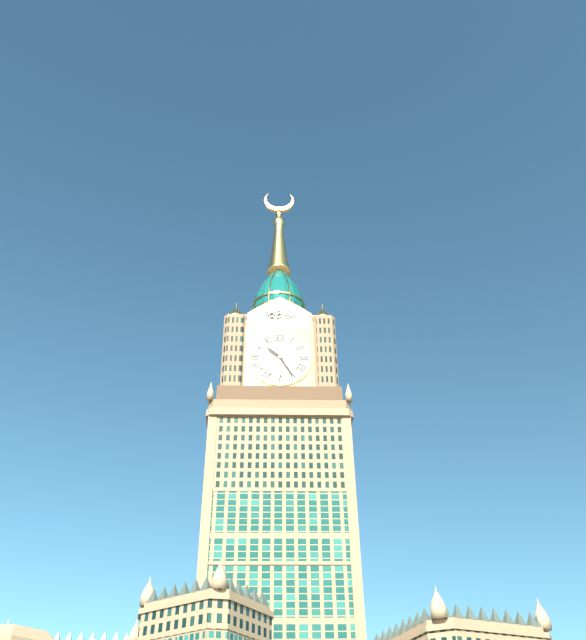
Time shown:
{"hour": 10, "minute": 25}
